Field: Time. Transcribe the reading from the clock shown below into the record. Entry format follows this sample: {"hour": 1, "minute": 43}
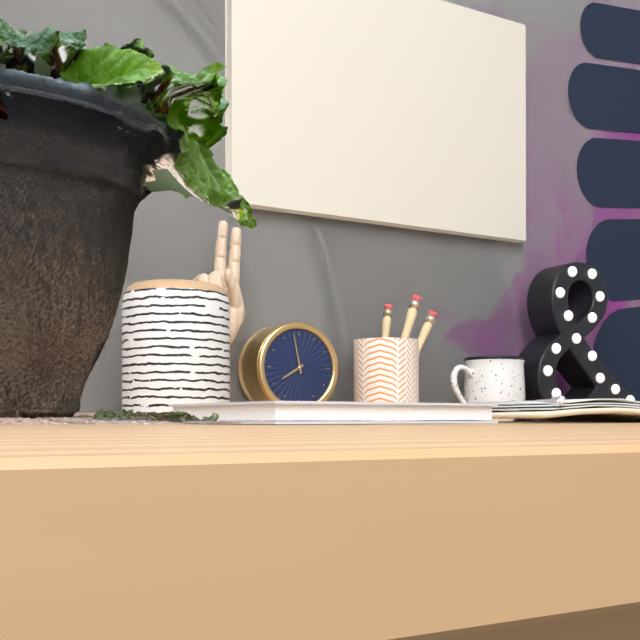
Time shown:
{"hour": 7, "minute": 58}
